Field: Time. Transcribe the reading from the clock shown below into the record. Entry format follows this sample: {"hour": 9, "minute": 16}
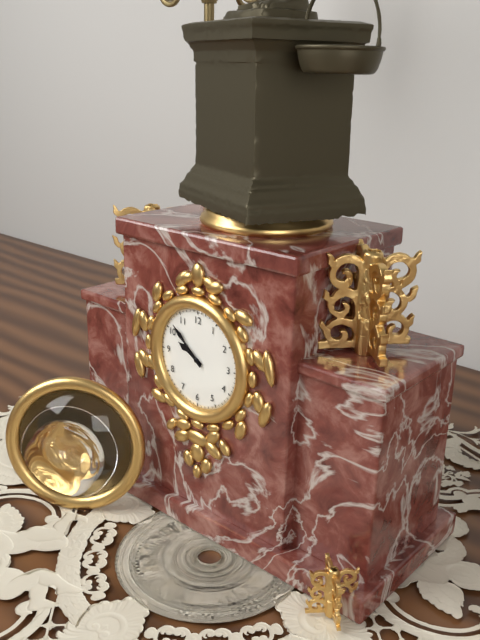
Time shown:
{"hour": 9, "minute": 52}
